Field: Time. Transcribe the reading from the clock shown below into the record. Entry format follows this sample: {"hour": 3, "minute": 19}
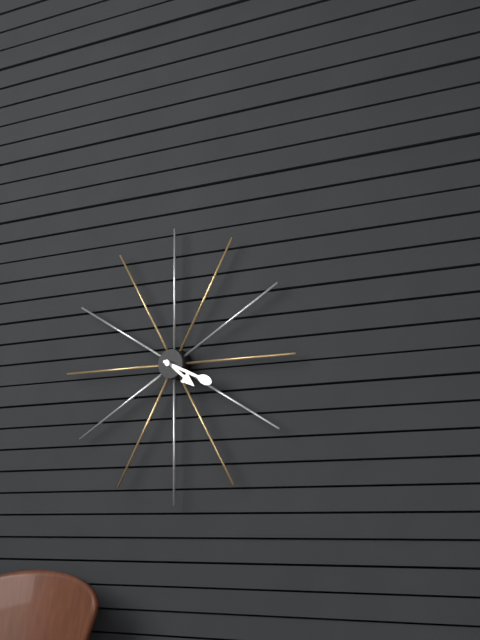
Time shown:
{"hour": 4, "minute": 19}
